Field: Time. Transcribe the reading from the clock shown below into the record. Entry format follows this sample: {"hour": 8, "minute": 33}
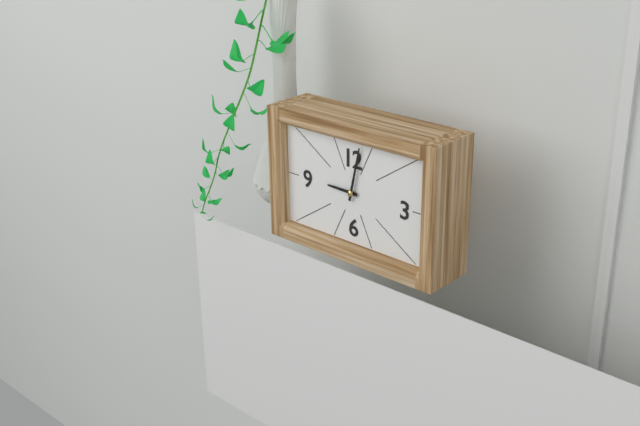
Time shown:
{"hour": 9, "minute": 2}
